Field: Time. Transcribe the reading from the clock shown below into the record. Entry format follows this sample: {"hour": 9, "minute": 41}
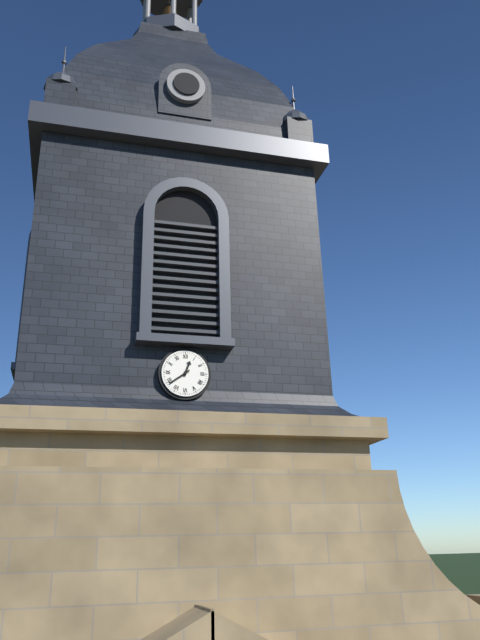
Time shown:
{"hour": 12, "minute": 39}
